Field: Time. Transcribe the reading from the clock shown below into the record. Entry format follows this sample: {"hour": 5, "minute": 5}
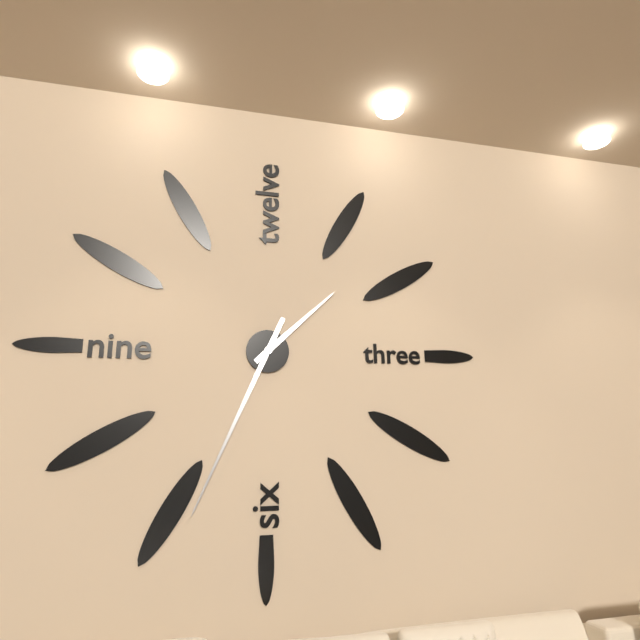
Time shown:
{"hour": 1, "minute": 34}
